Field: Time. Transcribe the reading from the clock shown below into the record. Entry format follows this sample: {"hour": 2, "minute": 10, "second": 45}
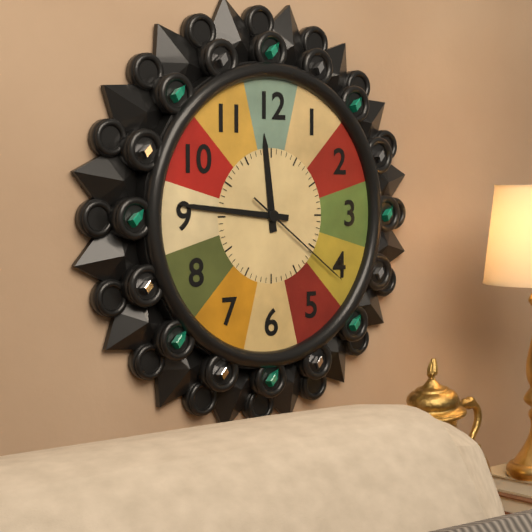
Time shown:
{"hour": 11, "minute": 46, "second": 21}
